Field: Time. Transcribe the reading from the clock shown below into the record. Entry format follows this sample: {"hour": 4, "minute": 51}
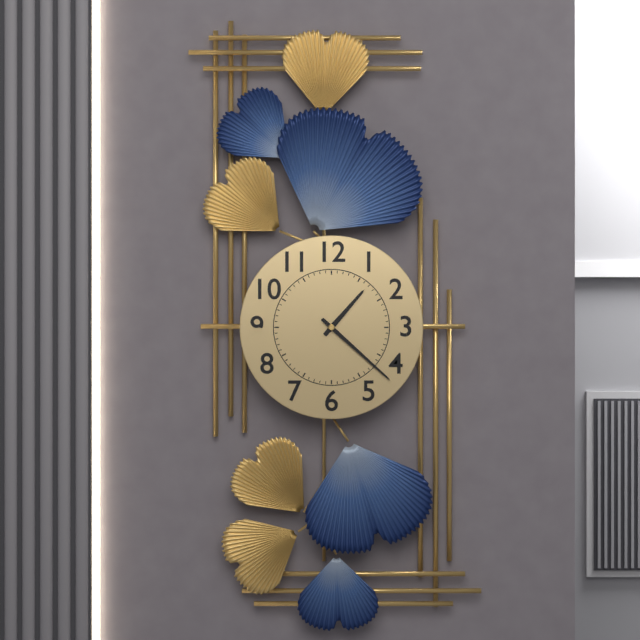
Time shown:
{"hour": 1, "minute": 22}
